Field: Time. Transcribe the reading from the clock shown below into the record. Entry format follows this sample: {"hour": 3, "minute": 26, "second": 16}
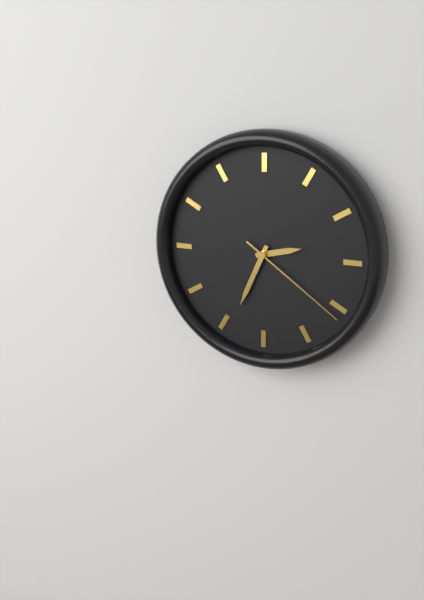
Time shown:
{"hour": 2, "minute": 34, "second": 21}
